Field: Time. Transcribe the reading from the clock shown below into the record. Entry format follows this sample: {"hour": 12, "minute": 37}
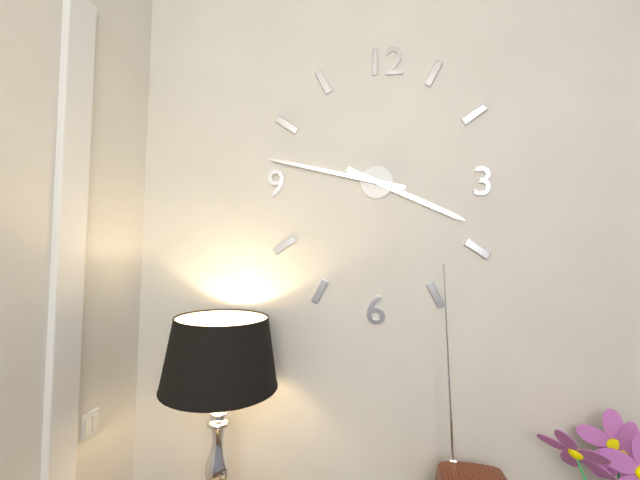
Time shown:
{"hour": 3, "minute": 47}
